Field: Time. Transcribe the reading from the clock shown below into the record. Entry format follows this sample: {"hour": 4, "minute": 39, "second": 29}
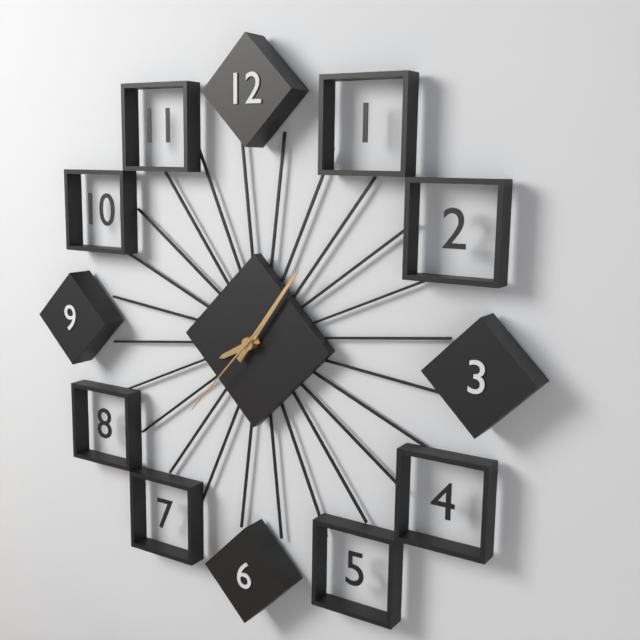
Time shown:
{"hour": 8, "minute": 6, "second": 37}
